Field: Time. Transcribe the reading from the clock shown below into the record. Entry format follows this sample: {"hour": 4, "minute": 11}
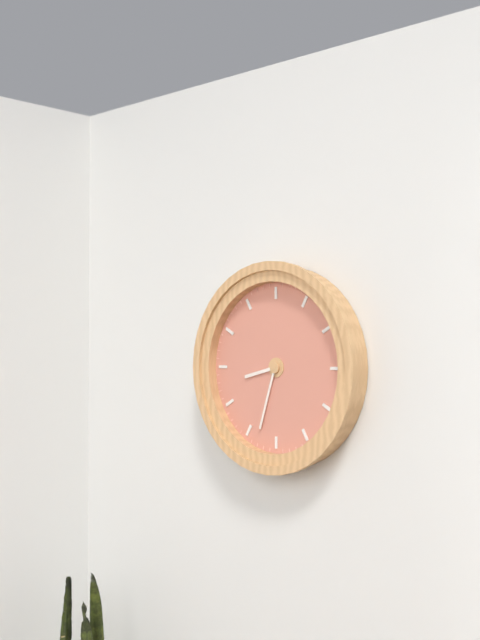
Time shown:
{"hour": 8, "minute": 33}
